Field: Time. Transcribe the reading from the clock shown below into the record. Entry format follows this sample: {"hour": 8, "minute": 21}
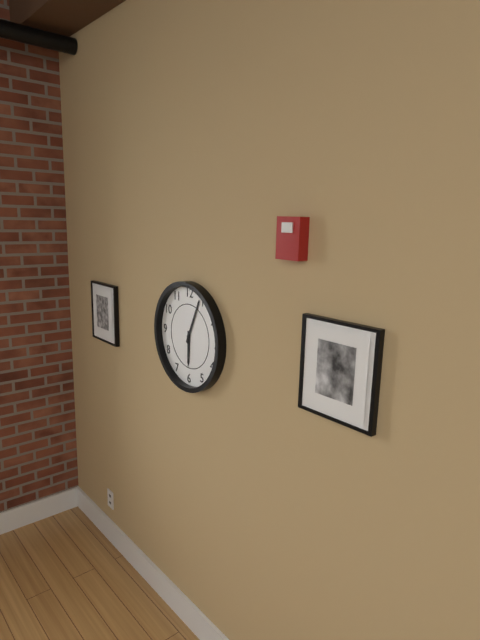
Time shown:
{"hour": 6, "minute": 4}
